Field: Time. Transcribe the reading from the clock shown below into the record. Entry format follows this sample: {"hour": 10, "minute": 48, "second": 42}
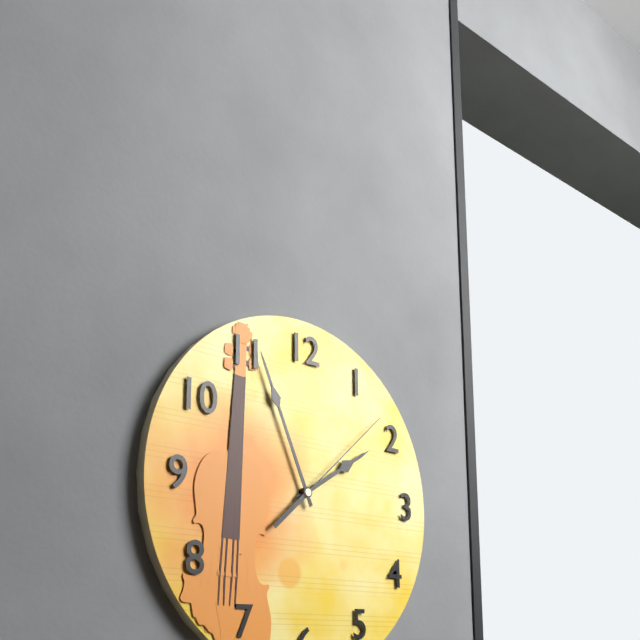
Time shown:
{"hour": 1, "minute": 56, "second": 8}
